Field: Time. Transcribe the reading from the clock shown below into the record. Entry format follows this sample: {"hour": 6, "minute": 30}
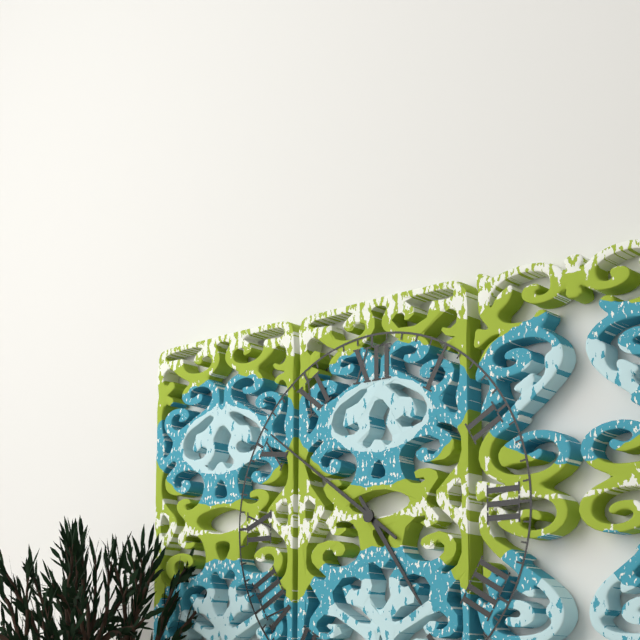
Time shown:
{"hour": 4, "minute": 51}
